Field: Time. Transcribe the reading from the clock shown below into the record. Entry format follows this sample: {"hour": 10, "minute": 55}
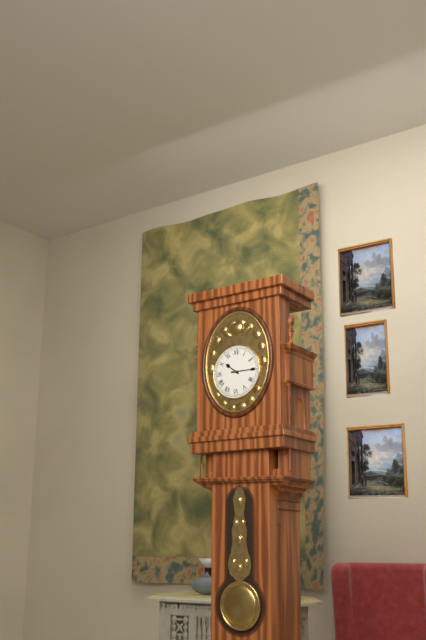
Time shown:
{"hour": 10, "minute": 15}
